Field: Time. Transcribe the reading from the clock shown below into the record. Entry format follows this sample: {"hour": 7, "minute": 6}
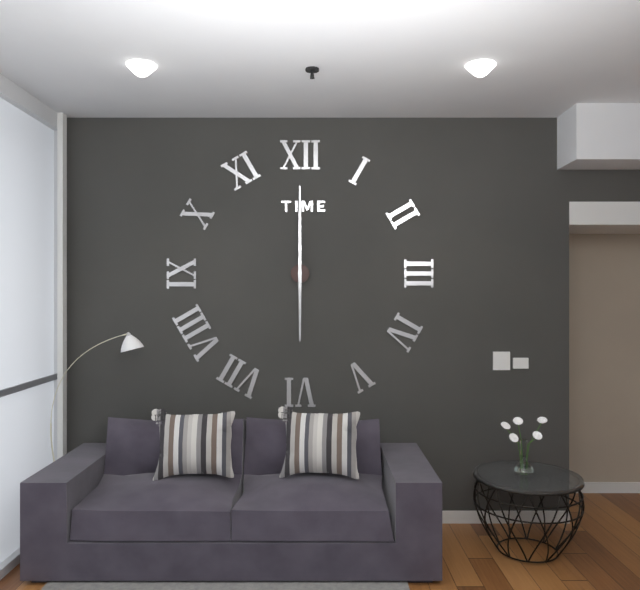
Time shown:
{"hour": 6, "minute": 0}
